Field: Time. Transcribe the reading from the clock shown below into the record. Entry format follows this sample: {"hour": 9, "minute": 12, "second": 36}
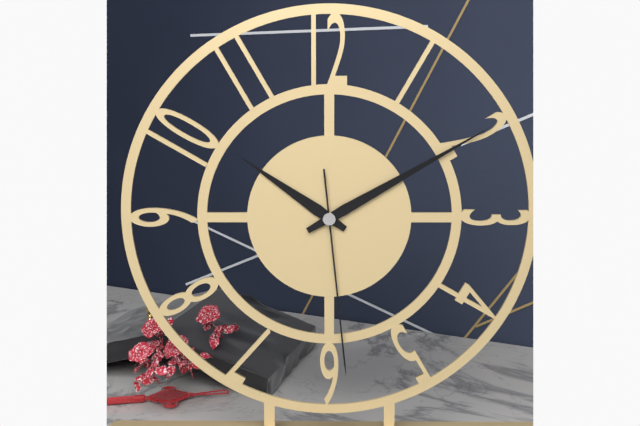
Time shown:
{"hour": 10, "minute": 10, "second": 29}
